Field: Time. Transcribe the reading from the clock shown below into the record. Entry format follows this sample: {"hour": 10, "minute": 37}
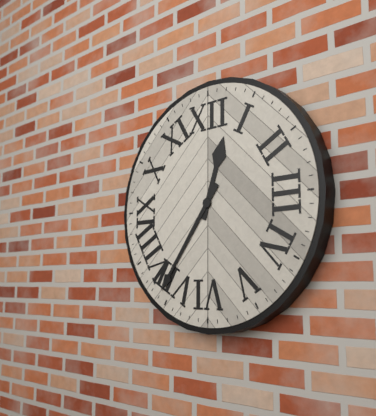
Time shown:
{"hour": 12, "minute": 36}
